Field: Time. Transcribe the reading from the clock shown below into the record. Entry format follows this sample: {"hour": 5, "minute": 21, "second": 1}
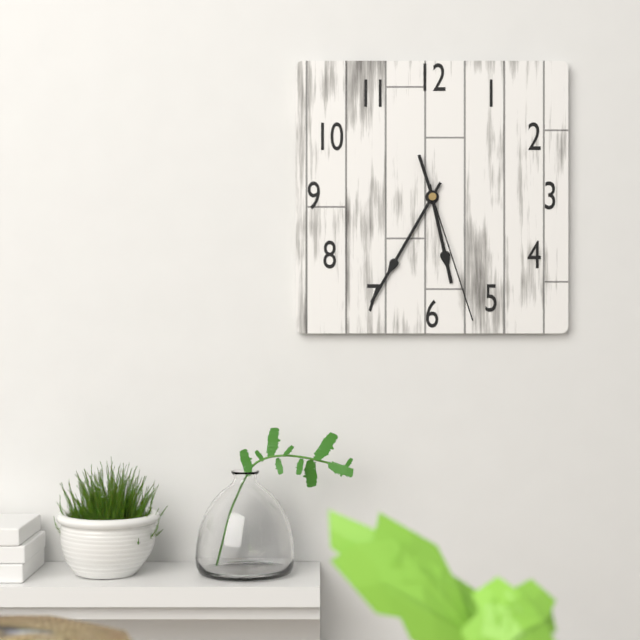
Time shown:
{"hour": 5, "minute": 35, "second": 27}
